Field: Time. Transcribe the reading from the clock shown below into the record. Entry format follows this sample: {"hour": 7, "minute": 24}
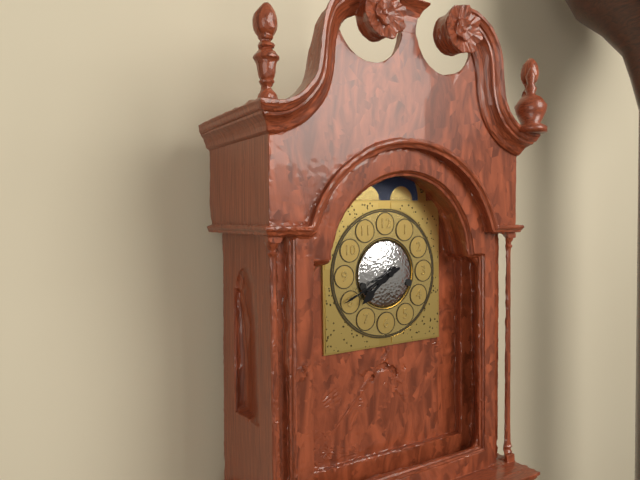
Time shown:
{"hour": 7, "minute": 41}
